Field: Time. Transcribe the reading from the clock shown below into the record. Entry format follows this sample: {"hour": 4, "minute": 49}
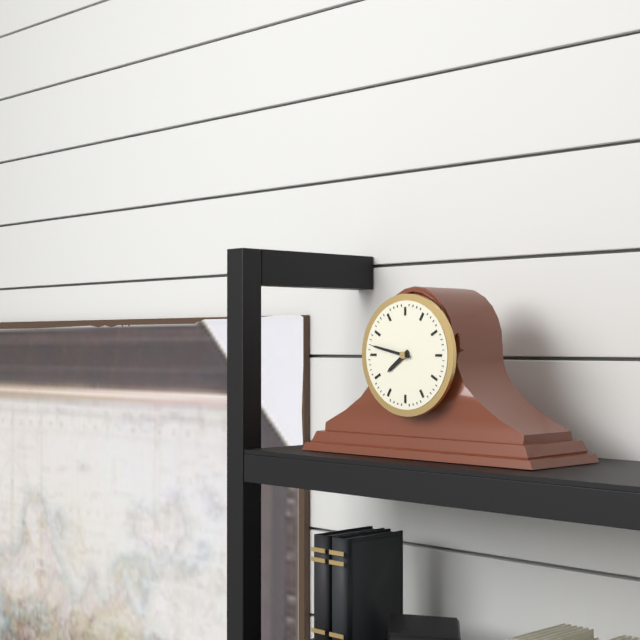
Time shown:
{"hour": 7, "minute": 47}
